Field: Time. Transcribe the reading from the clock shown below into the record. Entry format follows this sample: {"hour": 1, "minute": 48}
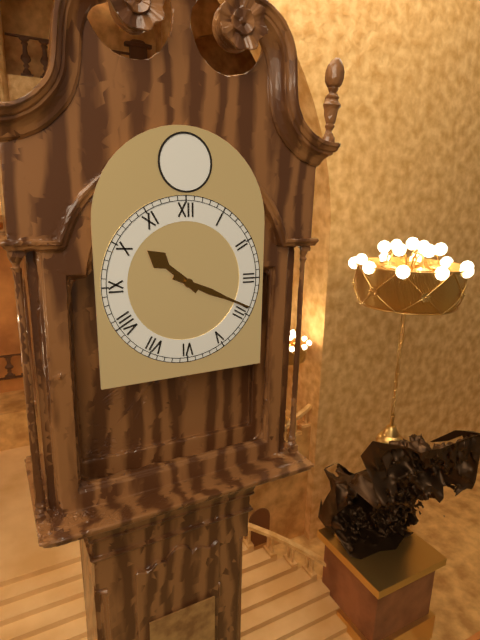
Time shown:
{"hour": 10, "minute": 19}
